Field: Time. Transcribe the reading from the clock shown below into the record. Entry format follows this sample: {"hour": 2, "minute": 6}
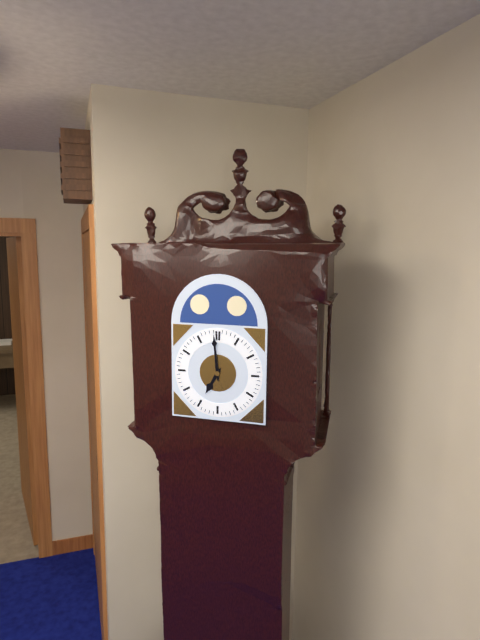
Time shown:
{"hour": 6, "minute": 59}
